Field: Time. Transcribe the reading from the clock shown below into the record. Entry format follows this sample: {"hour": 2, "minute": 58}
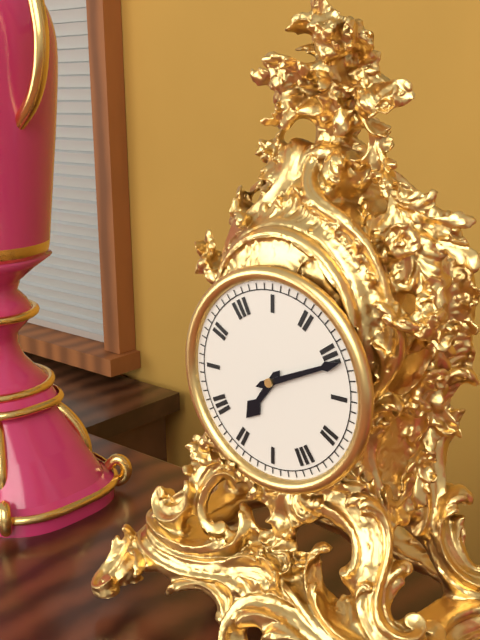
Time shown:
{"hour": 7, "minute": 11}
